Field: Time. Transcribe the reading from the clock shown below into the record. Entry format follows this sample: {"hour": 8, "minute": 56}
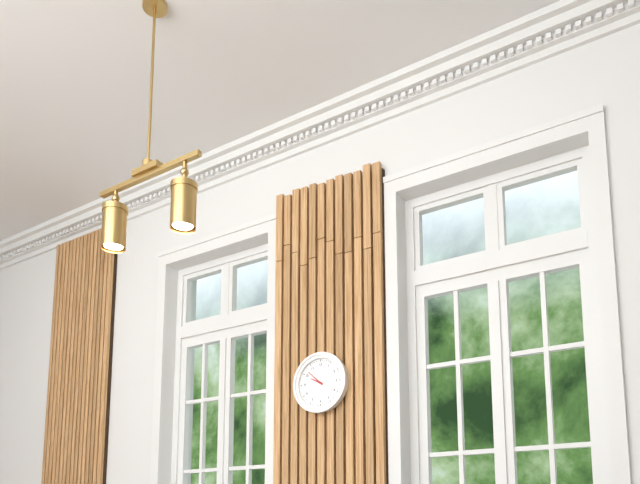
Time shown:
{"hour": 9, "minute": 52}
